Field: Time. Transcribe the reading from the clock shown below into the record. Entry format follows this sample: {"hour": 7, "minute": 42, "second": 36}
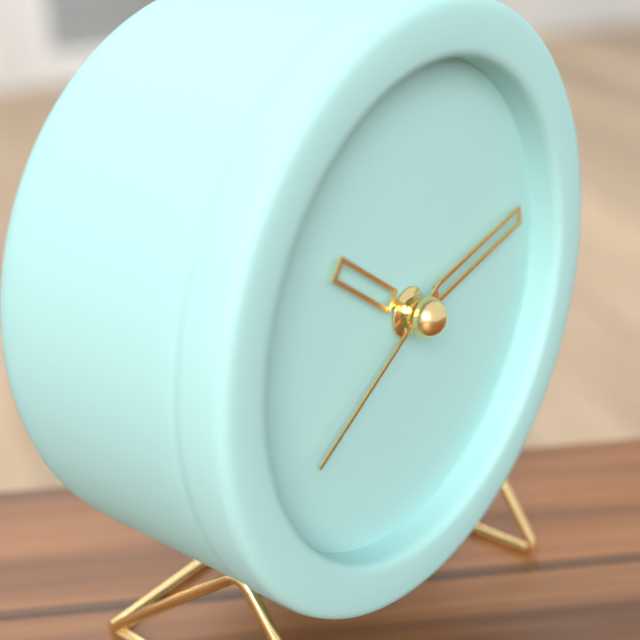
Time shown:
{"hour": 10, "minute": 13, "second": 40}
